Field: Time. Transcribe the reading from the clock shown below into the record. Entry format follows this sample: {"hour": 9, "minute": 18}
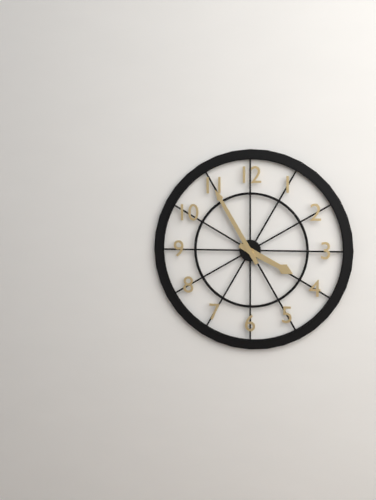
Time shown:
{"hour": 3, "minute": 55}
